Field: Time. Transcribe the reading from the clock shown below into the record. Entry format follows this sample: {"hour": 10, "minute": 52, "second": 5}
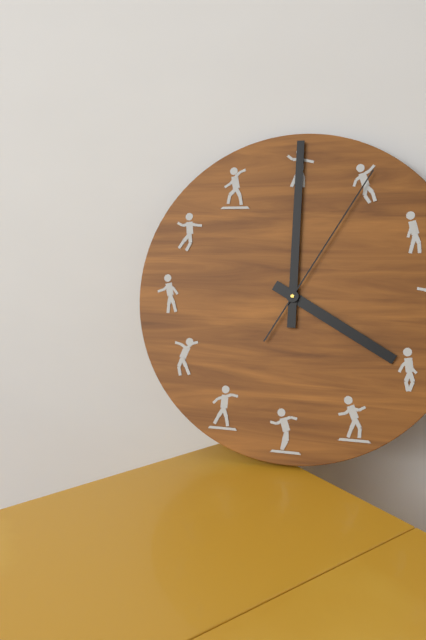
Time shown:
{"hour": 4, "minute": 0, "second": 5}
